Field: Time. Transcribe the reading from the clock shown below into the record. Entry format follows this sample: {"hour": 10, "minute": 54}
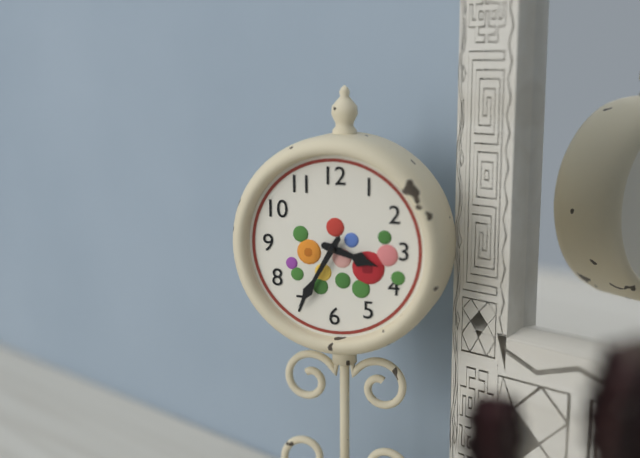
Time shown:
{"hour": 3, "minute": 35}
